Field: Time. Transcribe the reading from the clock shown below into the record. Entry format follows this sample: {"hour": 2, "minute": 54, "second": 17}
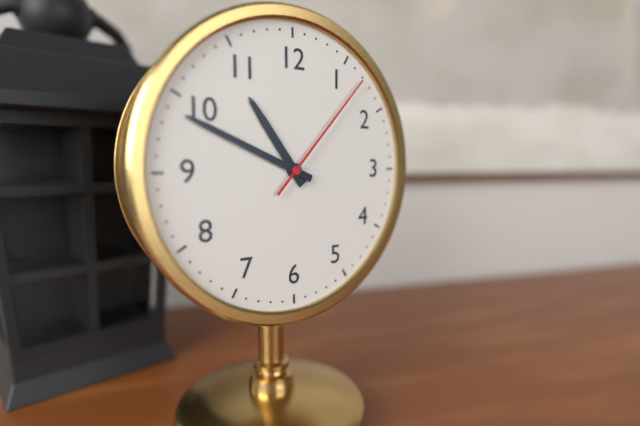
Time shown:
{"hour": 10, "minute": 49, "second": 7}
